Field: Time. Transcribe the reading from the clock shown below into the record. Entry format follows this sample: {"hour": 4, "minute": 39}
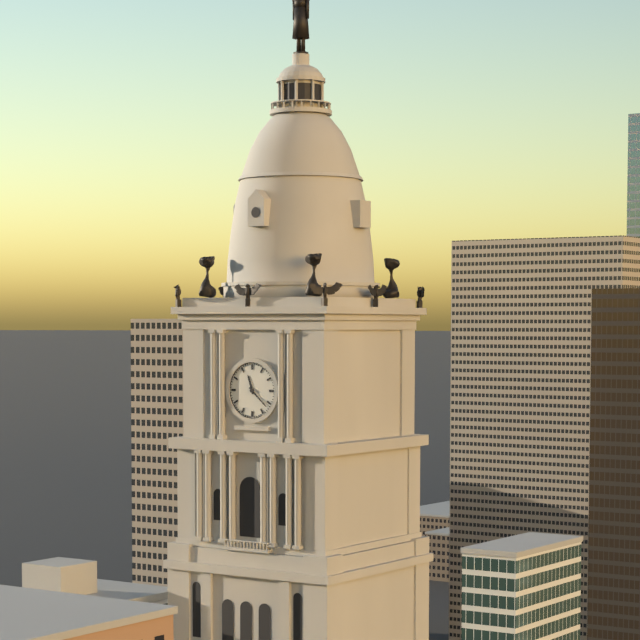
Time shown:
{"hour": 11, "minute": 22}
